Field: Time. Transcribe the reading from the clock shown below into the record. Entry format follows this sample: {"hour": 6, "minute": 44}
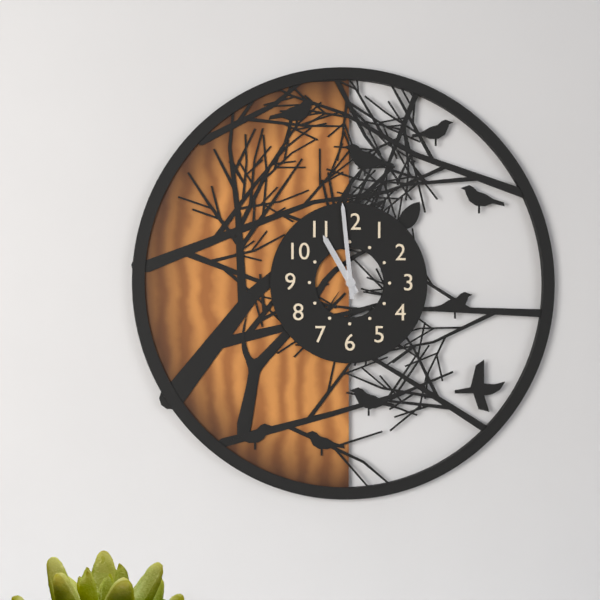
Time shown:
{"hour": 10, "minute": 59}
